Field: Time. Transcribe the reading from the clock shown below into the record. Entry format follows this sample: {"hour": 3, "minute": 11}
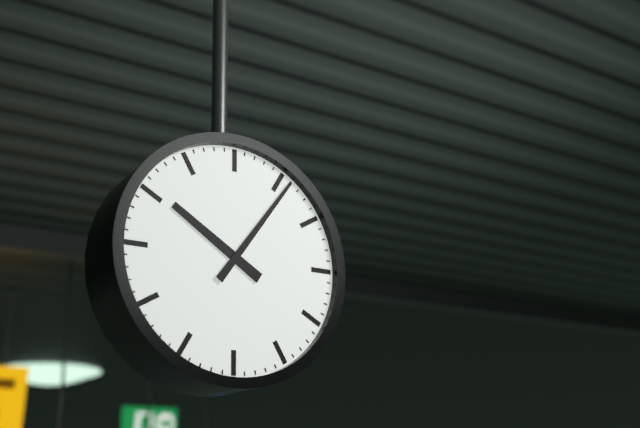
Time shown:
{"hour": 10, "minute": 6}
